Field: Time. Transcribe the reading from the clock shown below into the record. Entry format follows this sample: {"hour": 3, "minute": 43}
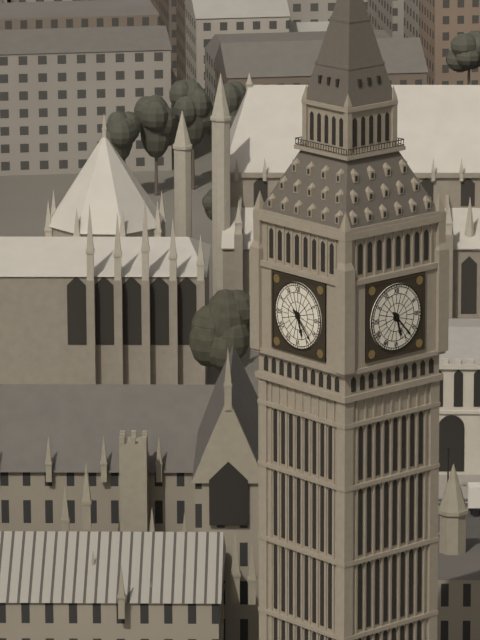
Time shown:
{"hour": 5, "minute": 23}
